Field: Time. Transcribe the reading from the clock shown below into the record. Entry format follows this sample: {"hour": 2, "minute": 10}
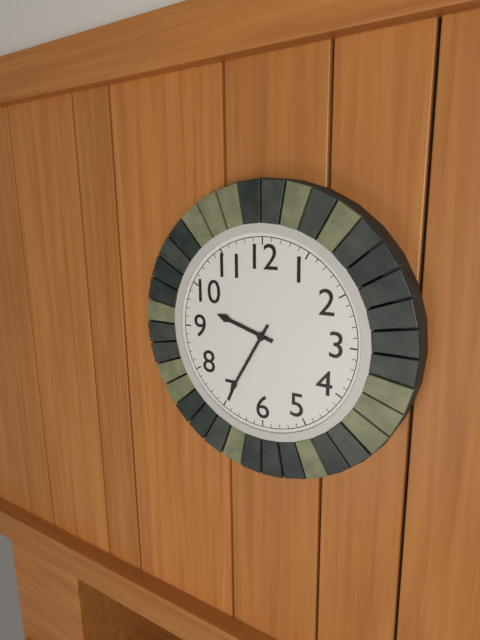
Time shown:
{"hour": 9, "minute": 35}
